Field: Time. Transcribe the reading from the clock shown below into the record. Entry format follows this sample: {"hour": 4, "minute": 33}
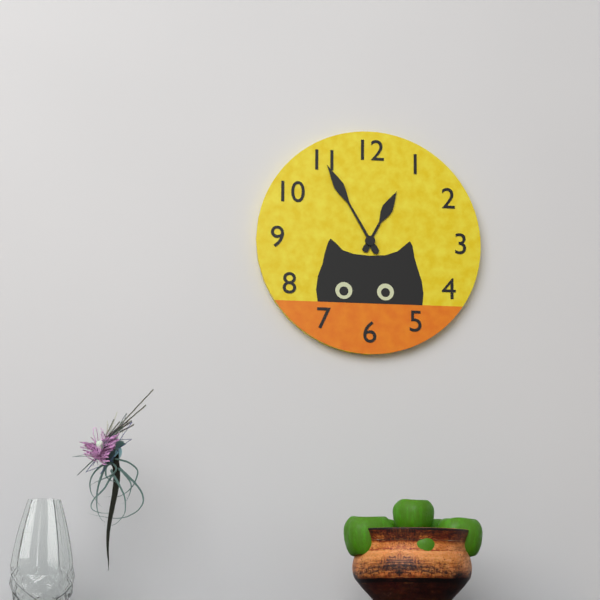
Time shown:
{"hour": 12, "minute": 55}
